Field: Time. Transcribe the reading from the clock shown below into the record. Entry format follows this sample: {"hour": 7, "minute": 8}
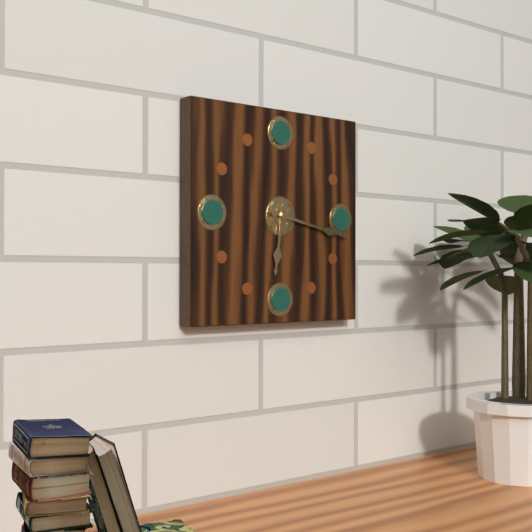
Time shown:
{"hour": 6, "minute": 17}
